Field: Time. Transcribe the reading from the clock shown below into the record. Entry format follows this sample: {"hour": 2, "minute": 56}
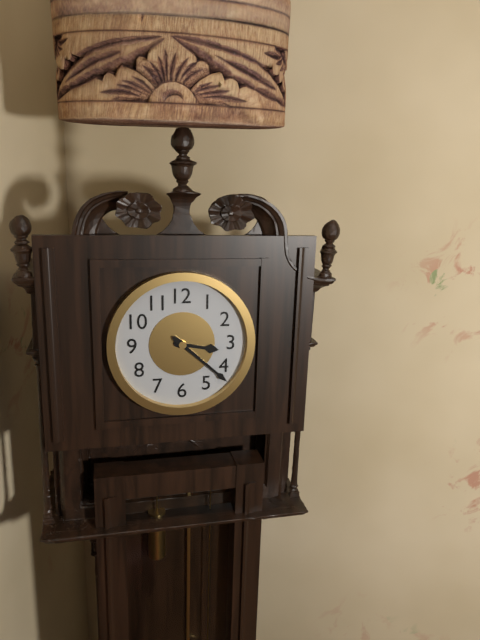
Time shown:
{"hour": 3, "minute": 22}
